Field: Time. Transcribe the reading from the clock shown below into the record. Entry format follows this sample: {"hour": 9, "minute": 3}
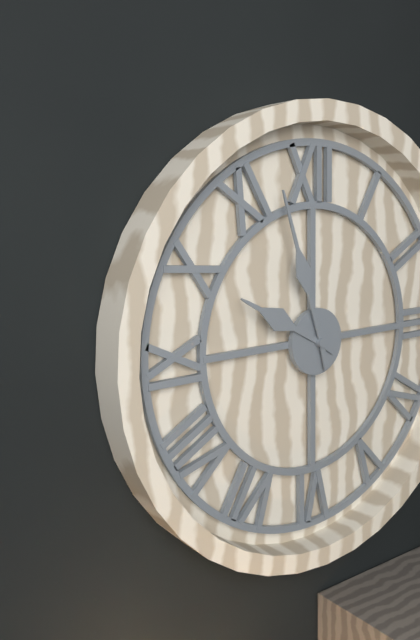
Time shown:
{"hour": 9, "minute": 57}
